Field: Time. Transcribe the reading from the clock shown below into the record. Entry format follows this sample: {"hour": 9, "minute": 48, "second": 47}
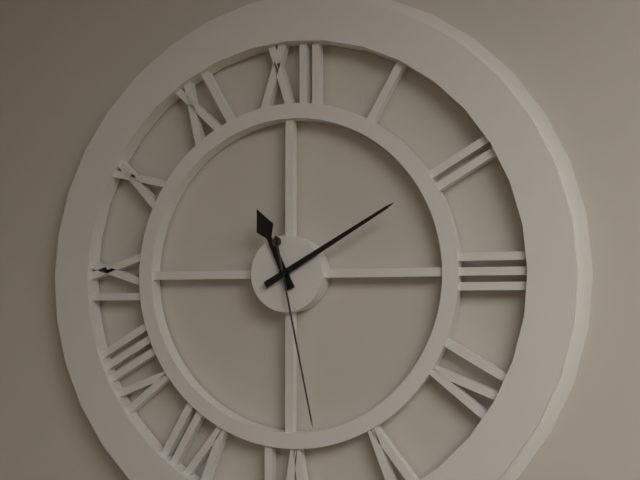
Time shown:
{"hour": 11, "minute": 10, "second": 28}
